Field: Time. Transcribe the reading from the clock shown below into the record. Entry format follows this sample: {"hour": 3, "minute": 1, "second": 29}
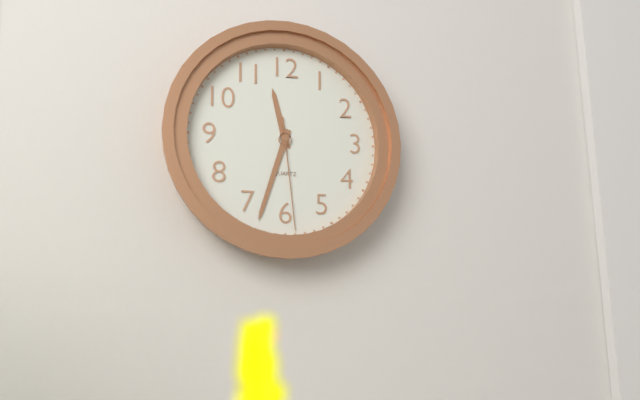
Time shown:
{"hour": 11, "minute": 33, "second": 29}
